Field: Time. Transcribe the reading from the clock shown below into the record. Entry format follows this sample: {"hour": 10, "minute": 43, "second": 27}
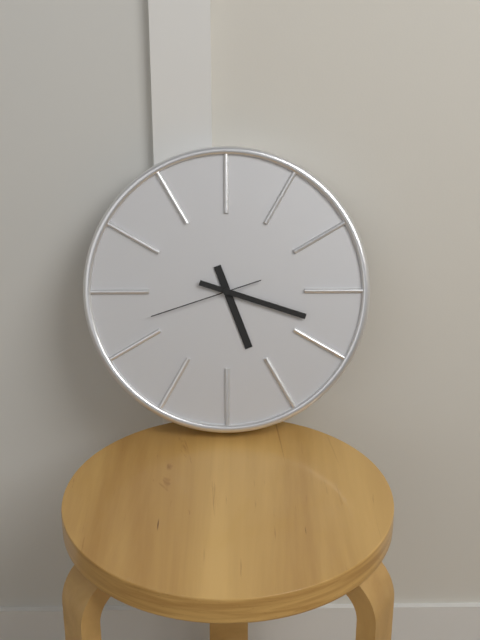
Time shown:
{"hour": 5, "minute": 18, "second": 42}
